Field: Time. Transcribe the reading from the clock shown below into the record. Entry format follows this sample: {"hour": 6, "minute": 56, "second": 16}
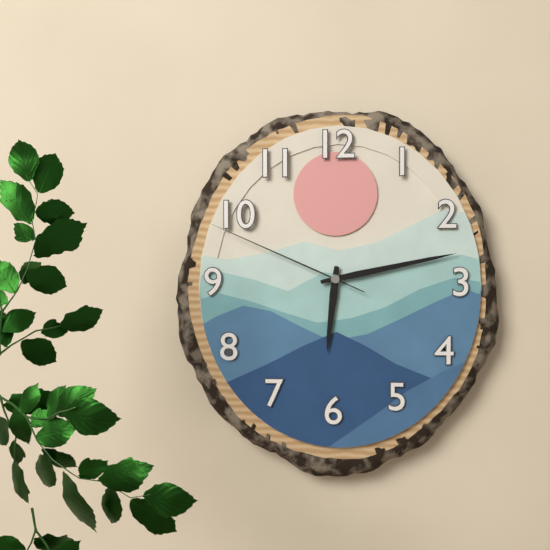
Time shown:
{"hour": 6, "minute": 13, "second": 49}
